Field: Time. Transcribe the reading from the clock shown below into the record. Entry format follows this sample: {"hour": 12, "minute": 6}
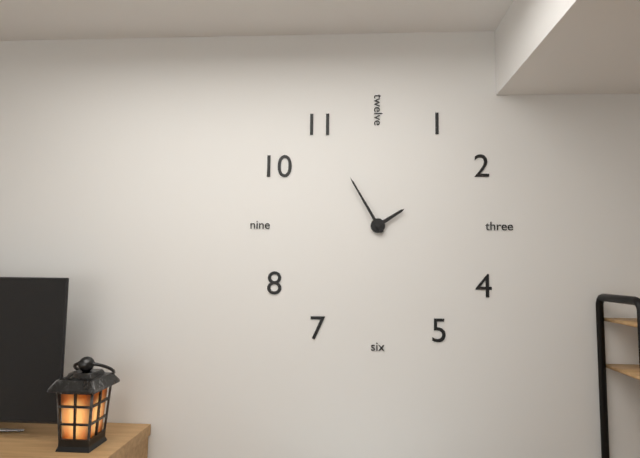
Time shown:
{"hour": 1, "minute": 55}
